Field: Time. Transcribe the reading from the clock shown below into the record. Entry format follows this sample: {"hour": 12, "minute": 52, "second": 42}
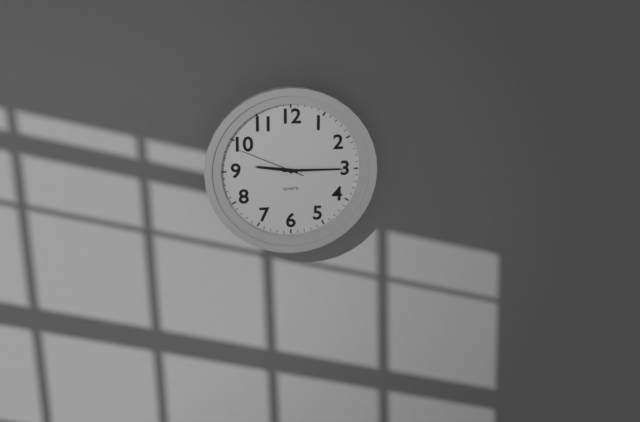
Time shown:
{"hour": 9, "minute": 15, "second": 49}
